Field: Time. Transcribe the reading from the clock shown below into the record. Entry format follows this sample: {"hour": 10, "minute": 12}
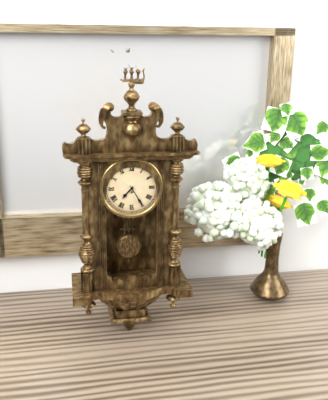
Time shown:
{"hour": 7, "minute": 25}
